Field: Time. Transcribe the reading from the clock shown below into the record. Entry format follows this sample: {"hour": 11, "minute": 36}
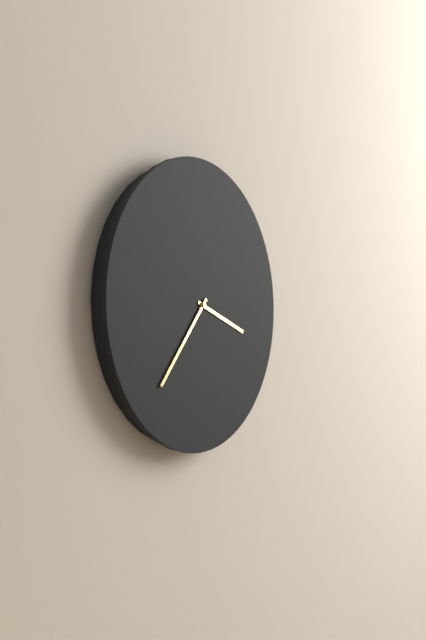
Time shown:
{"hour": 3, "minute": 37}
